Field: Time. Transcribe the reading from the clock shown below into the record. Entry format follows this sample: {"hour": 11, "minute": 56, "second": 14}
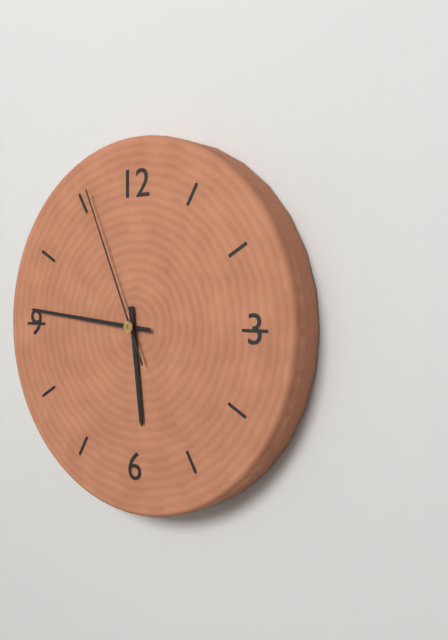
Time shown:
{"hour": 5, "minute": 46, "second": 56}
